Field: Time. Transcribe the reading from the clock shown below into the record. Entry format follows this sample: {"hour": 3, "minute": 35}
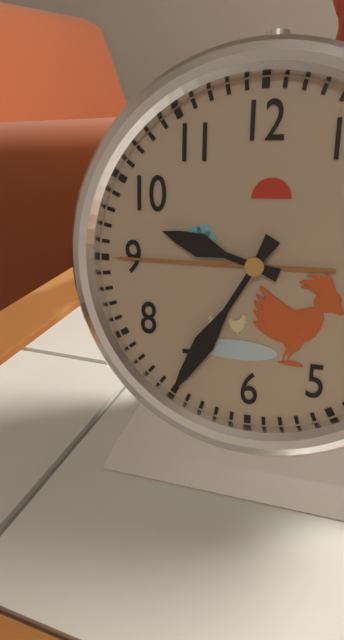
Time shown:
{"hour": 9, "minute": 35}
